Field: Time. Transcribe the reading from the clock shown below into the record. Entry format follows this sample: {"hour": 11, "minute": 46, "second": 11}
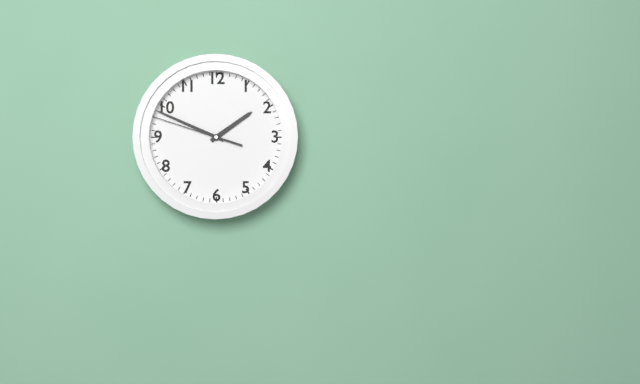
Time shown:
{"hour": 1, "minute": 49, "second": 48}
